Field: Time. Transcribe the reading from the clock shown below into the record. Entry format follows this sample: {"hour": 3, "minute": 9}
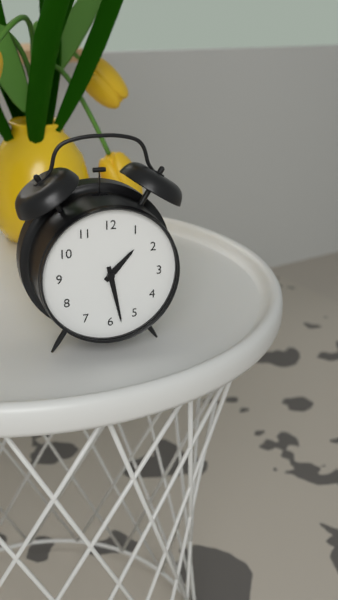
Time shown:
{"hour": 1, "minute": 28}
